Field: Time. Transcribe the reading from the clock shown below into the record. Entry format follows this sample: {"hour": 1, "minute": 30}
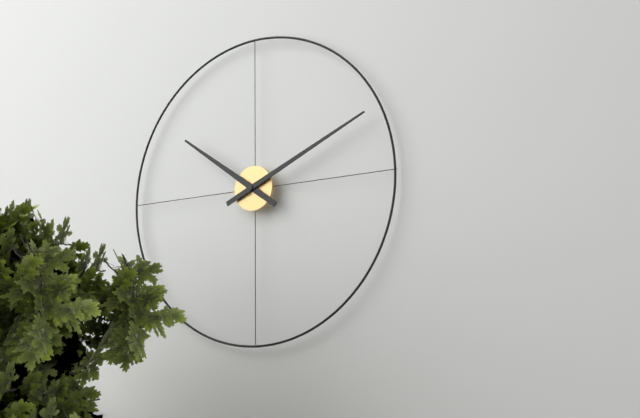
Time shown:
{"hour": 10, "minute": 11}
